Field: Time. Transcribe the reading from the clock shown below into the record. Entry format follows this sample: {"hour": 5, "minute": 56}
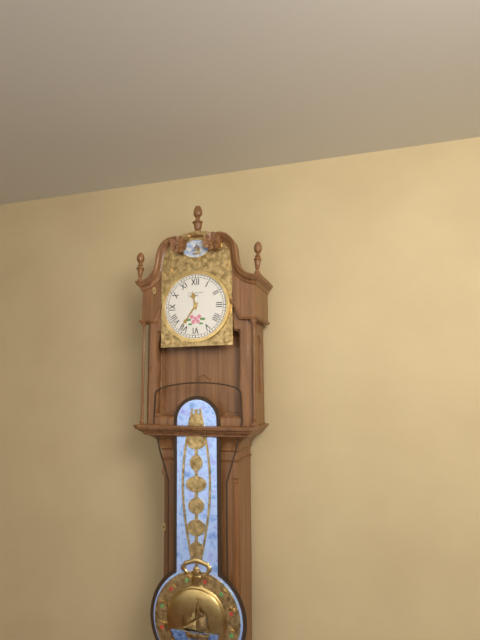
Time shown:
{"hour": 11, "minute": 36}
